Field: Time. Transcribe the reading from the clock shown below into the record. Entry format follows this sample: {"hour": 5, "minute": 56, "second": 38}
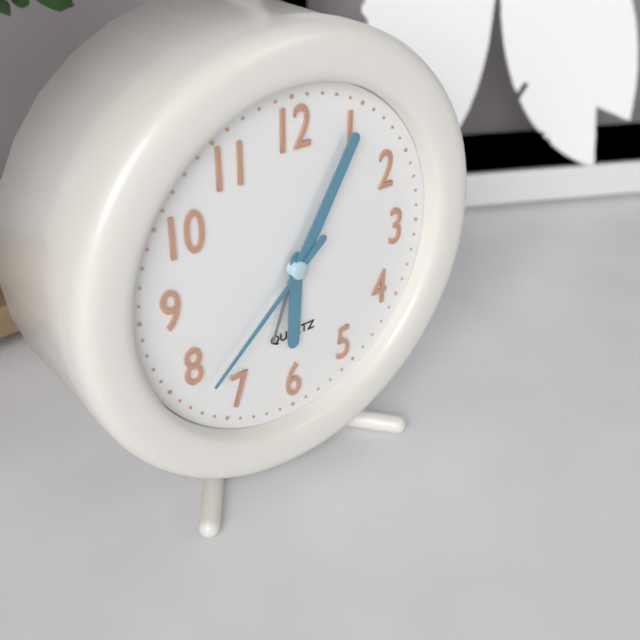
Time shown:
{"hour": 6, "minute": 5, "second": 38}
